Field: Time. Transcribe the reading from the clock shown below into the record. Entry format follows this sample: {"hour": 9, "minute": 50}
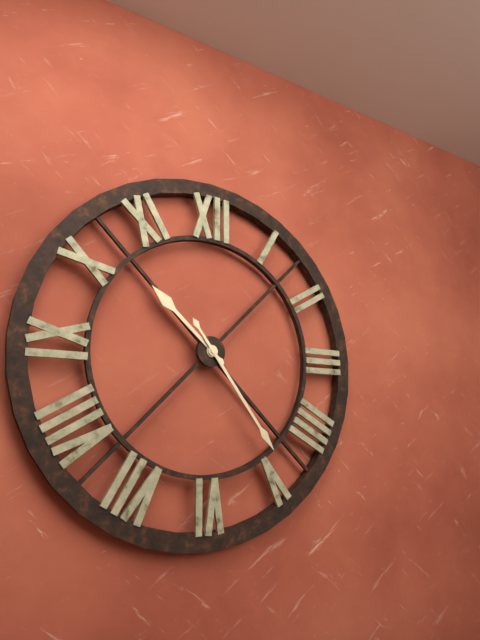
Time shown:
{"hour": 10, "minute": 24}
